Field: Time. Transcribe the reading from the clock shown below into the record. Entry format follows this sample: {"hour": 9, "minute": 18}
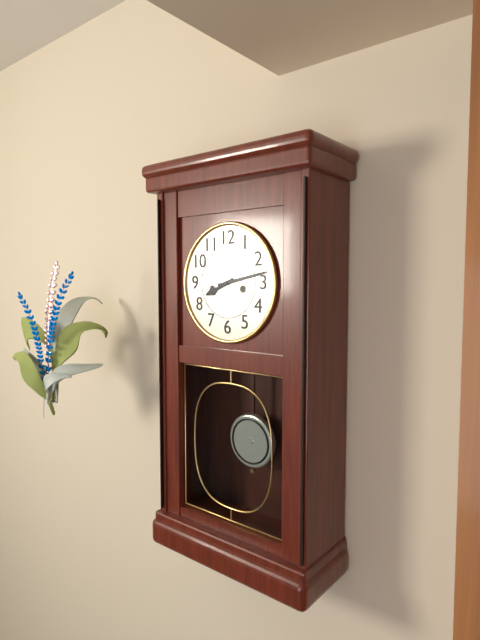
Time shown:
{"hour": 8, "minute": 13}
